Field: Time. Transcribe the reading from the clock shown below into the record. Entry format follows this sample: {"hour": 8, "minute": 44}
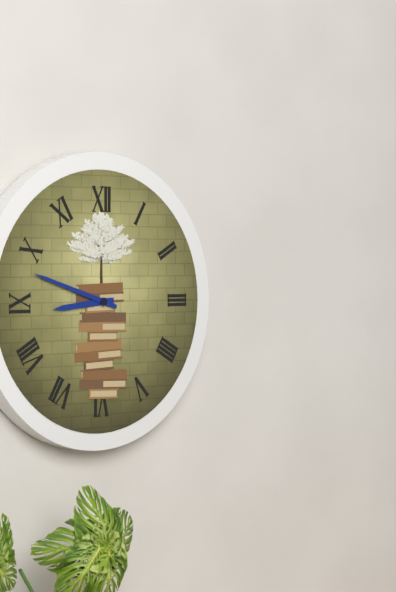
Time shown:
{"hour": 8, "minute": 48}
